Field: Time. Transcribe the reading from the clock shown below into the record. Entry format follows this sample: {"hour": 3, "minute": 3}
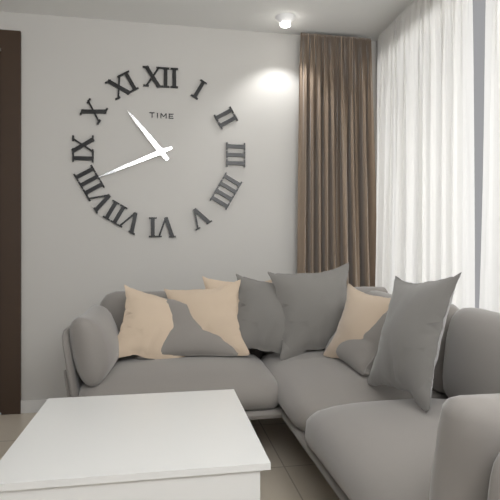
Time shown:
{"hour": 10, "minute": 41}
